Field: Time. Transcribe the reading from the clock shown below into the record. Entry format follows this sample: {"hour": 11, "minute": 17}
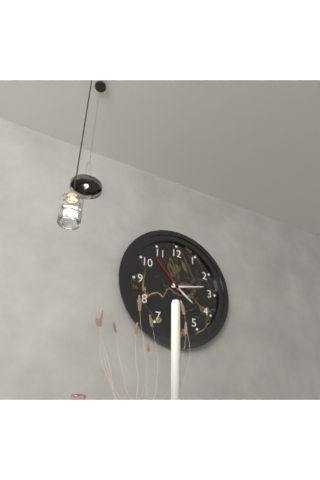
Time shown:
{"hour": 4, "minute": 13}
